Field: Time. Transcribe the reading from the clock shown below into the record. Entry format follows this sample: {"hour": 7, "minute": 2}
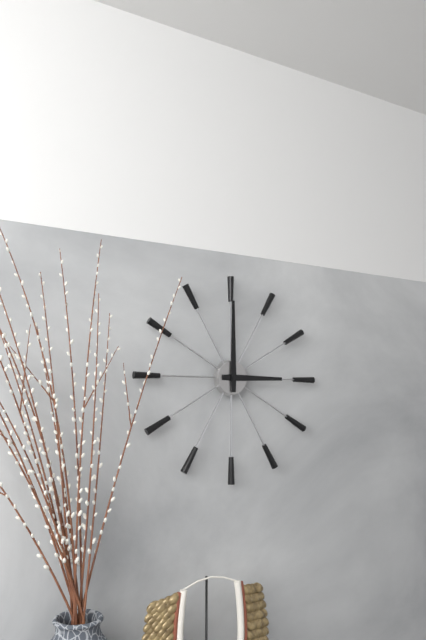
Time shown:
{"hour": 3, "minute": 0}
